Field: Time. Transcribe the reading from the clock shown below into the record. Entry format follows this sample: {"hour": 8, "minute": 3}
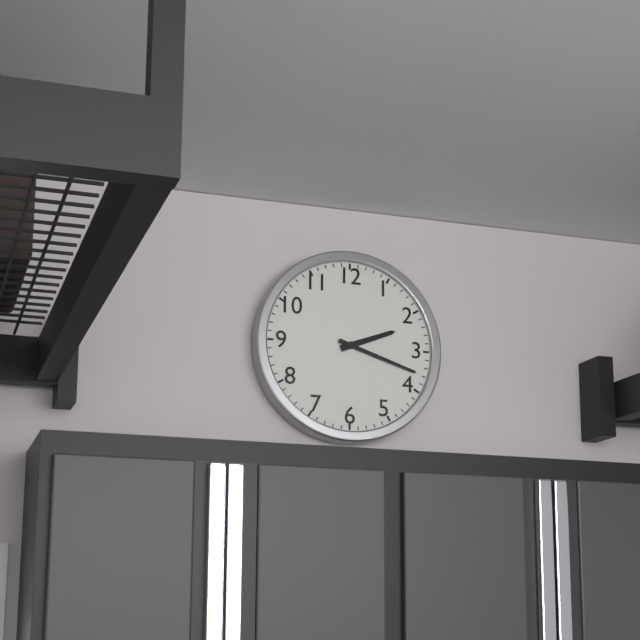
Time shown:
{"hour": 2, "minute": 18}
